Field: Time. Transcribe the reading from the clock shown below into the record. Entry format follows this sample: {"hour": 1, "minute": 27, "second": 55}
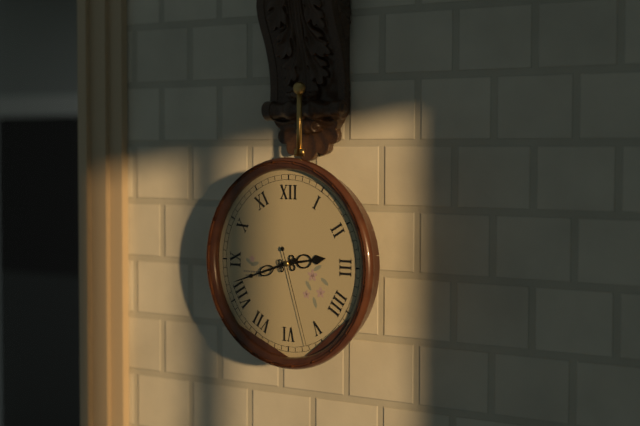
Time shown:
{"hour": 2, "minute": 42, "second": 27}
